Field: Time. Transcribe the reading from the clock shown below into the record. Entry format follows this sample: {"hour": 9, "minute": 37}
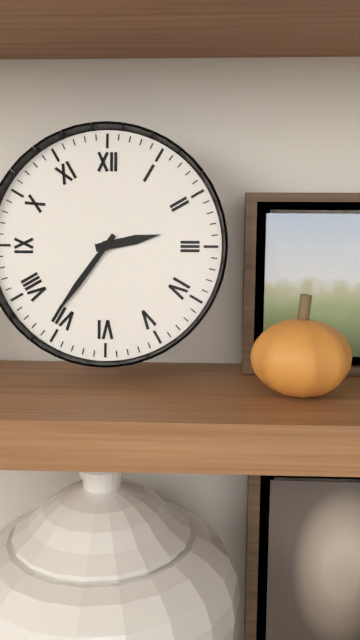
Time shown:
{"hour": 2, "minute": 36}
